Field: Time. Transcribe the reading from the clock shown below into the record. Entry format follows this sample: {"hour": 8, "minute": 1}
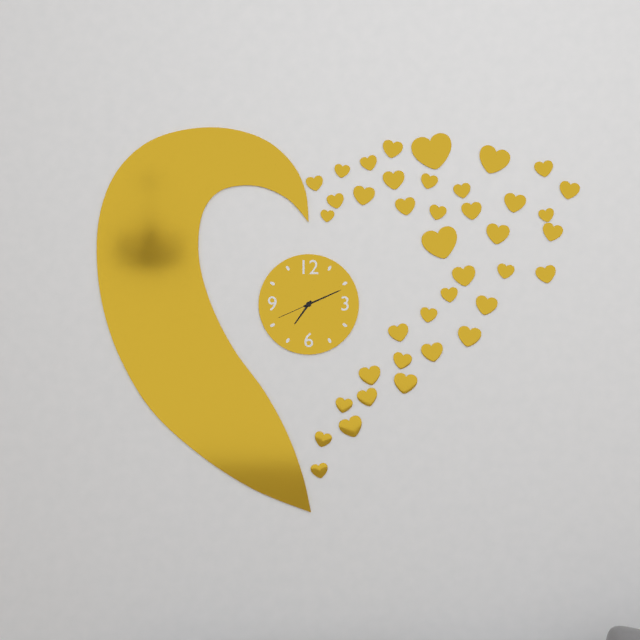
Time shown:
{"hour": 7, "minute": 11}
